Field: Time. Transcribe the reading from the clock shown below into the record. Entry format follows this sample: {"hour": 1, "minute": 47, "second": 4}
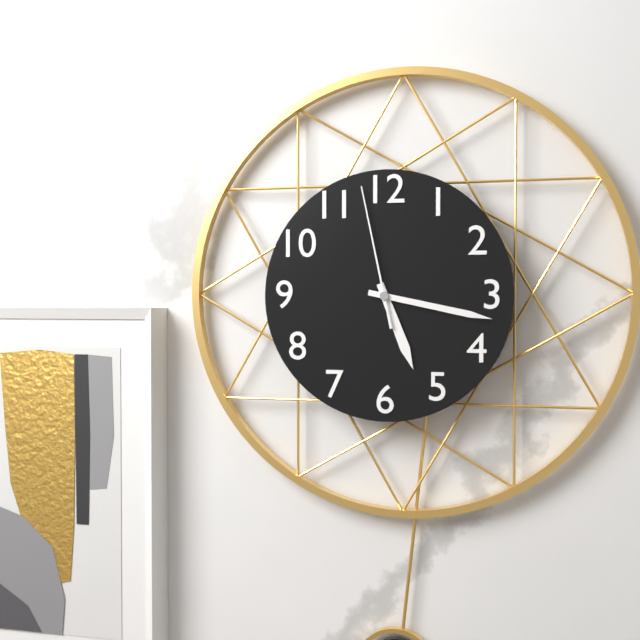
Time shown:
{"hour": 5, "minute": 17, "second": 58}
